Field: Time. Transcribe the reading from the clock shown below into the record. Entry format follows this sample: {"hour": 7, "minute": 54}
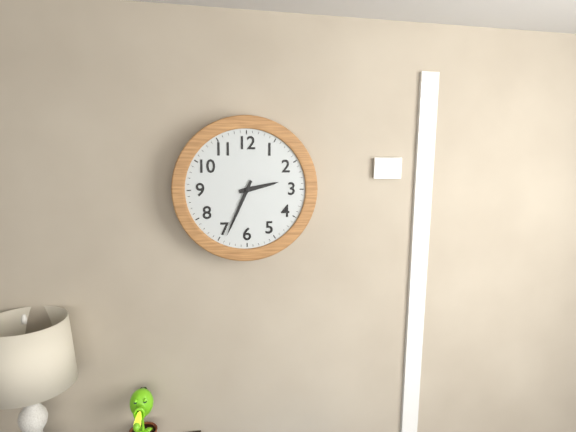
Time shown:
{"hour": 2, "minute": 34}
